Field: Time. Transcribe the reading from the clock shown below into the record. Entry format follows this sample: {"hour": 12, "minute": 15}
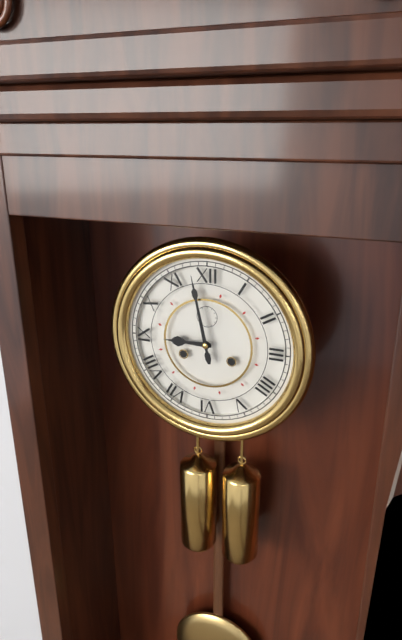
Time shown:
{"hour": 8, "minute": 58}
